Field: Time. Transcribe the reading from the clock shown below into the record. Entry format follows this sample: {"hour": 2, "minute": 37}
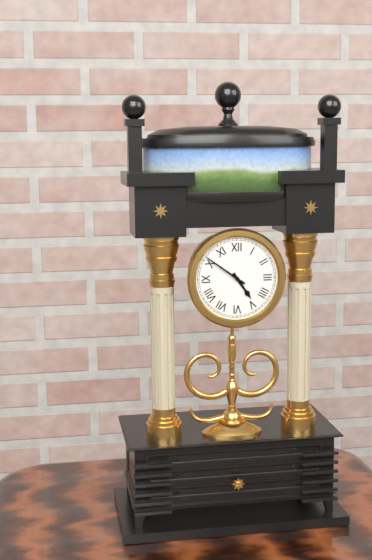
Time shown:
{"hour": 4, "minute": 51}
